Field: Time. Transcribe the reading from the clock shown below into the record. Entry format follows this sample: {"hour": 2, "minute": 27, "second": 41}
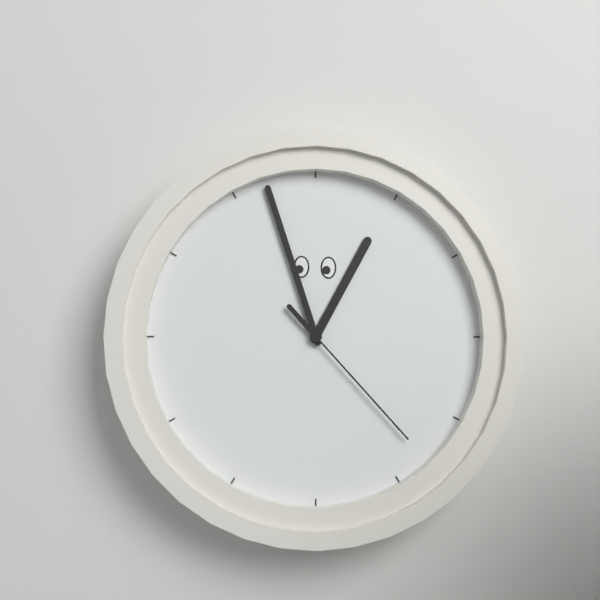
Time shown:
{"hour": 12, "minute": 57, "second": 23}
